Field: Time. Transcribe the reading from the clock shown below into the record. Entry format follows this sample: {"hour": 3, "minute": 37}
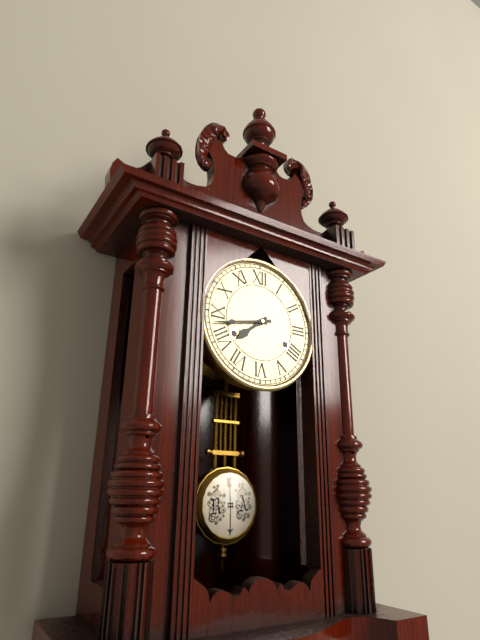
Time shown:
{"hour": 7, "minute": 43}
